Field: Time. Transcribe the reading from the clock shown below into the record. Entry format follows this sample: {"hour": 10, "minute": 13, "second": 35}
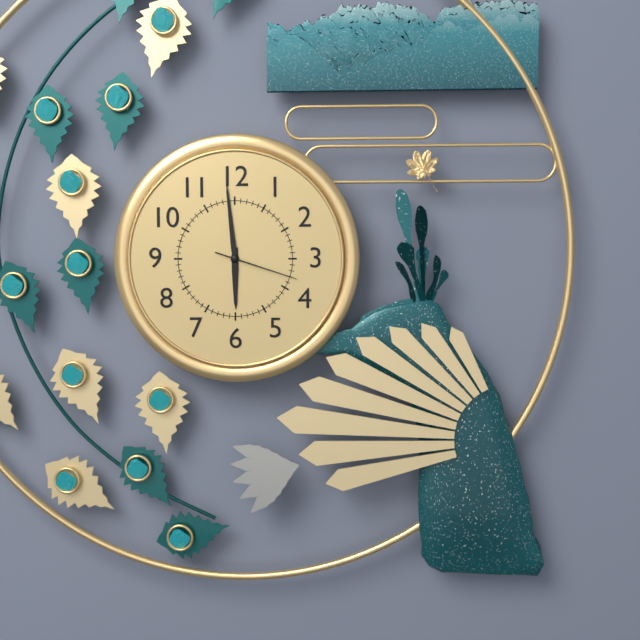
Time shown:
{"hour": 5, "minute": 59, "second": 18}
